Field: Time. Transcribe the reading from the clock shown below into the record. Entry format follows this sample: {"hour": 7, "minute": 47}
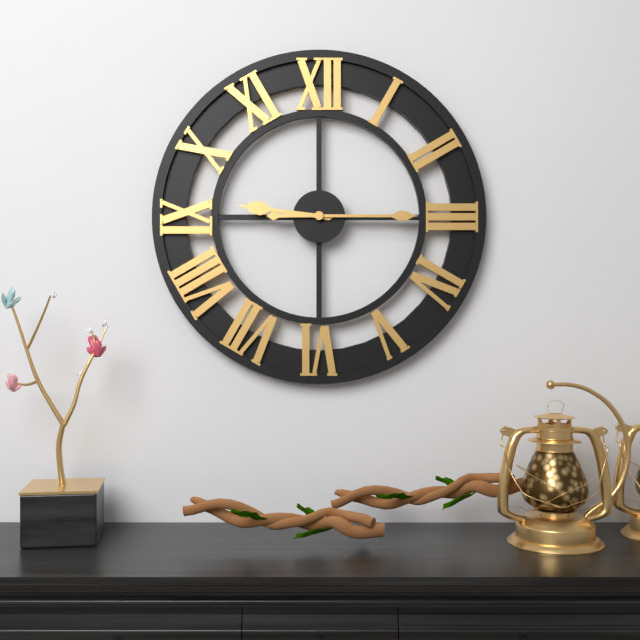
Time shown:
{"hour": 9, "minute": 15}
